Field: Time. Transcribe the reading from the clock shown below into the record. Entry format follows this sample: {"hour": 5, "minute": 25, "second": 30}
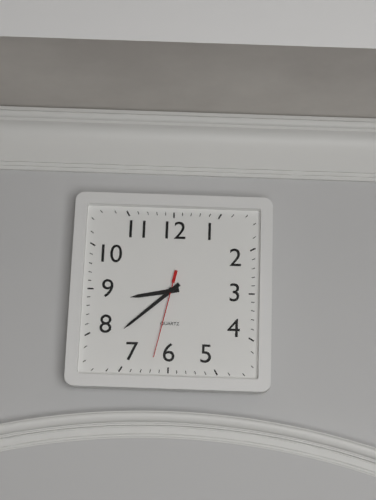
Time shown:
{"hour": 8, "minute": 38, "second": 32}
